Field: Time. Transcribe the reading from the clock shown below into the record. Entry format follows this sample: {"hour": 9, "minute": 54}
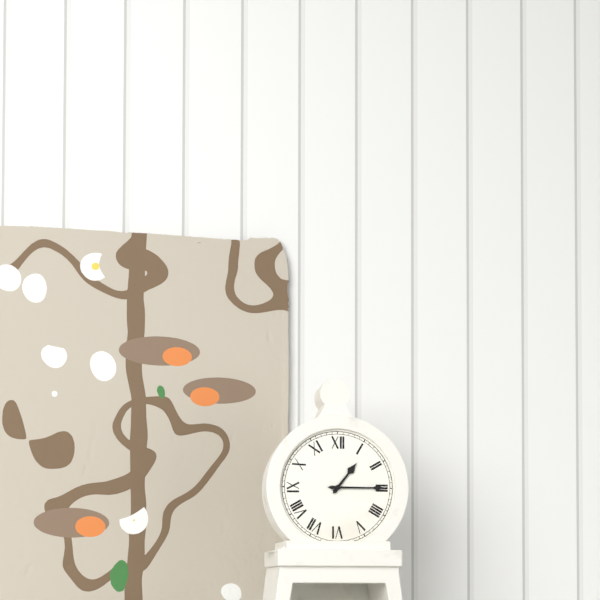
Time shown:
{"hour": 1, "minute": 15}
